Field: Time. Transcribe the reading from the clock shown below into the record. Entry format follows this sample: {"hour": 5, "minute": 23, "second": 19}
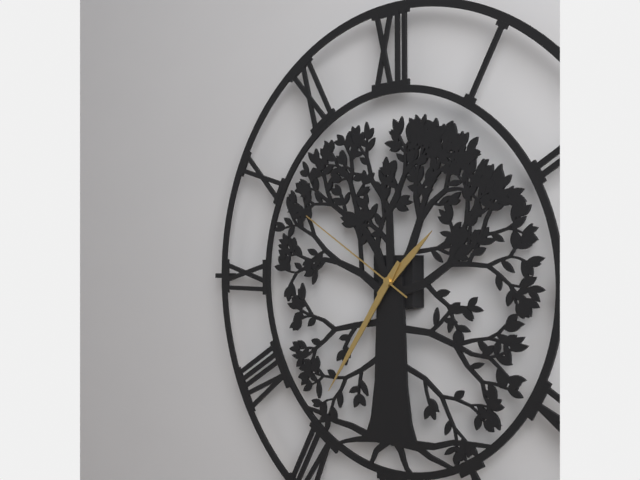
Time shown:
{"hour": 1, "minute": 36, "second": 50}
